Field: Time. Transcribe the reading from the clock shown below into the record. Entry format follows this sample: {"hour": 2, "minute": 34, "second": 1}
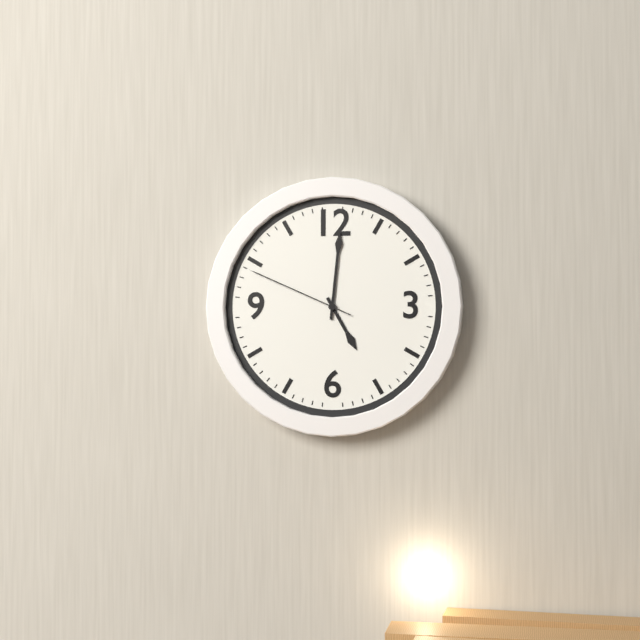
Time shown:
{"hour": 5, "minute": 1, "second": 49}
